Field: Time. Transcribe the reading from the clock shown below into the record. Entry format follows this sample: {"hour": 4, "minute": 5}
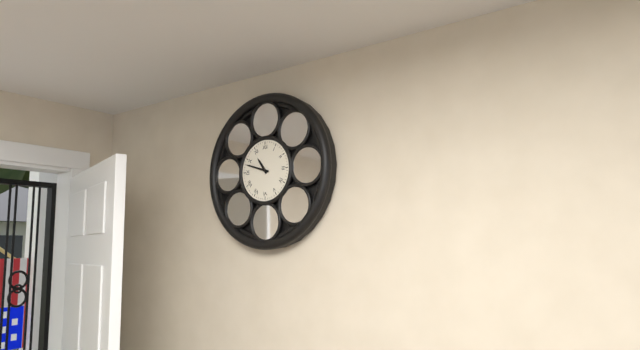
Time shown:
{"hour": 10, "minute": 48}
